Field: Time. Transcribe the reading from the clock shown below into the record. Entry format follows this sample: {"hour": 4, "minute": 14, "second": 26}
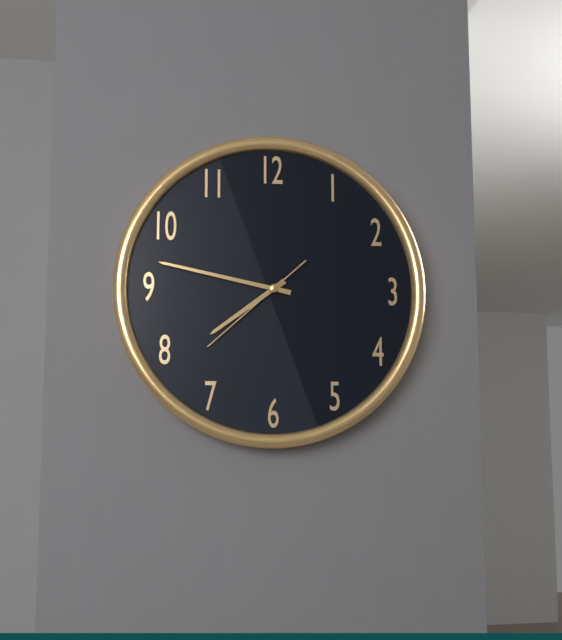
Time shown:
{"hour": 7, "minute": 47, "second": 38}
